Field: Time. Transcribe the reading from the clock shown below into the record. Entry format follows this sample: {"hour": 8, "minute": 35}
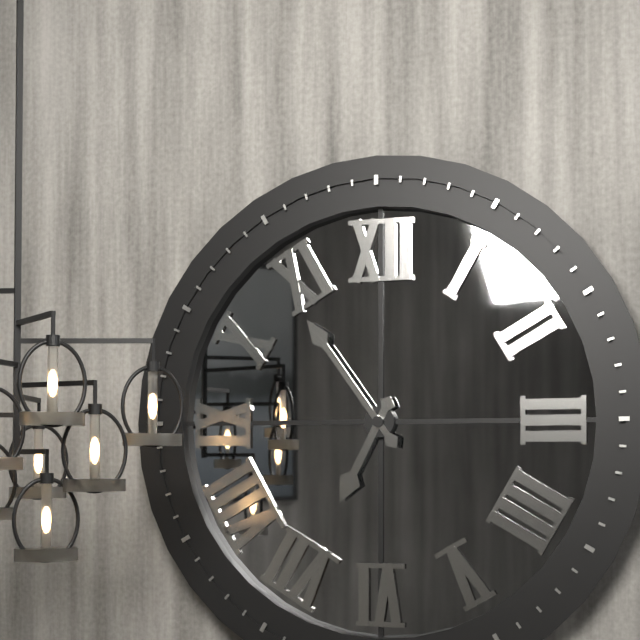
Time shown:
{"hour": 6, "minute": 54}
